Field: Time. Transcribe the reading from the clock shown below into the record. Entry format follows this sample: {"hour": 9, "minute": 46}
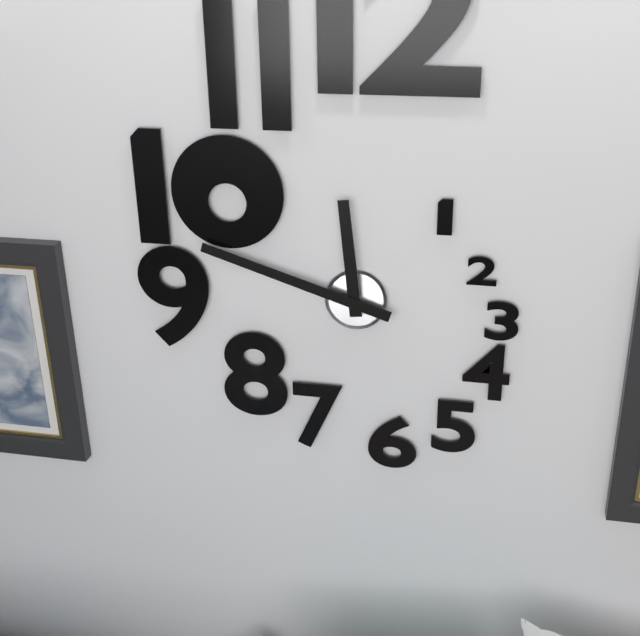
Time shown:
{"hour": 11, "minute": 48}
